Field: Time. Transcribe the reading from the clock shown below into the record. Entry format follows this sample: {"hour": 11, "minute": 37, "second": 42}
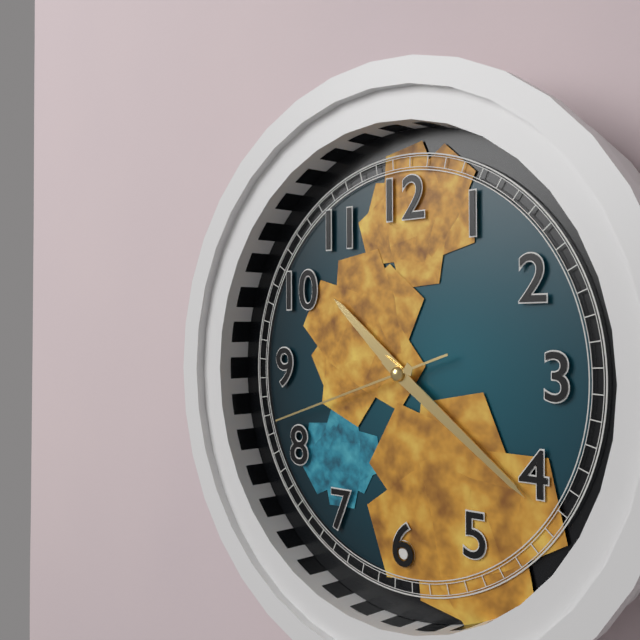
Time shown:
{"hour": 10, "minute": 21, "second": 42}
